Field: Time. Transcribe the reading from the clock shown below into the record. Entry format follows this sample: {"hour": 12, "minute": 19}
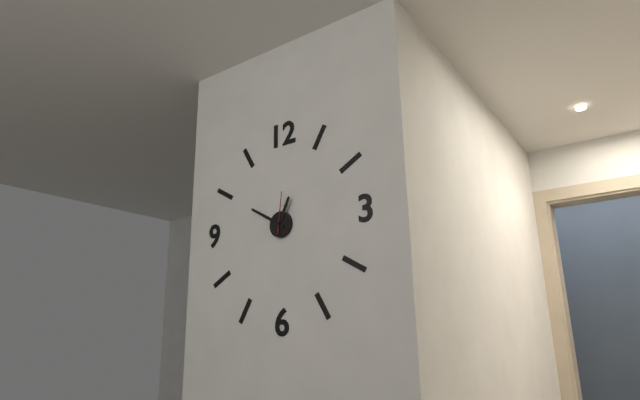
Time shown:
{"hour": 12, "minute": 50}
